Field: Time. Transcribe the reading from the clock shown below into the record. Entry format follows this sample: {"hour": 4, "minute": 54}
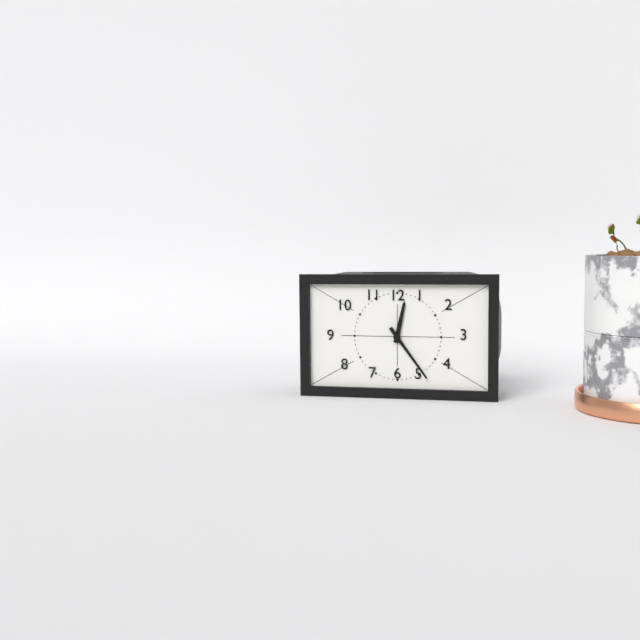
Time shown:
{"hour": 12, "minute": 24}
